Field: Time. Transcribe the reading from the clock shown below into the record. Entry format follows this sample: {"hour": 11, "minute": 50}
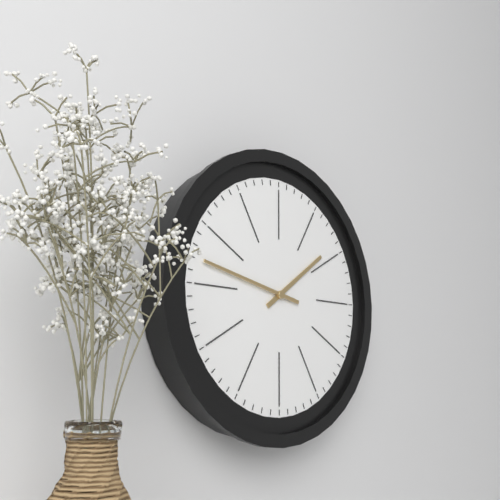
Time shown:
{"hour": 1, "minute": 47}
